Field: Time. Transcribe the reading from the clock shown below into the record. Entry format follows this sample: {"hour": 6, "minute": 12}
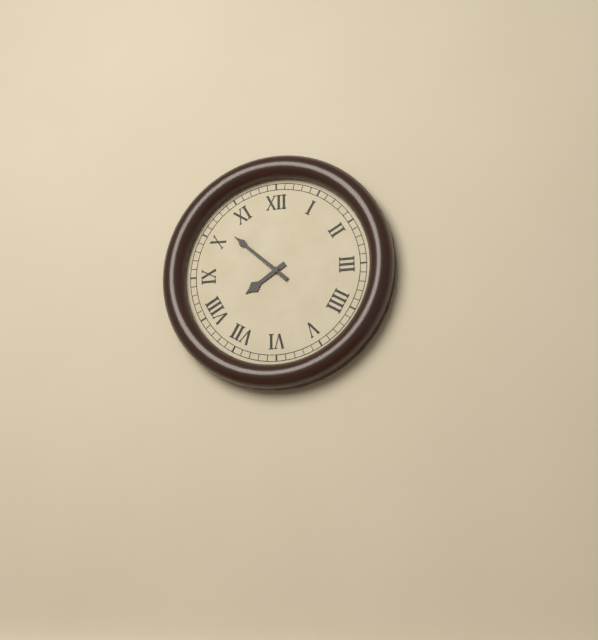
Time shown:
{"hour": 7, "minute": 52}
